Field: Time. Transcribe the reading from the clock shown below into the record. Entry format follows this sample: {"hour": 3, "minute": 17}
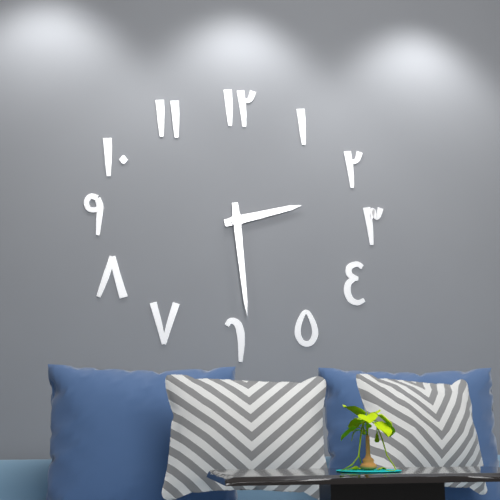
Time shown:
{"hour": 2, "minute": 29}
